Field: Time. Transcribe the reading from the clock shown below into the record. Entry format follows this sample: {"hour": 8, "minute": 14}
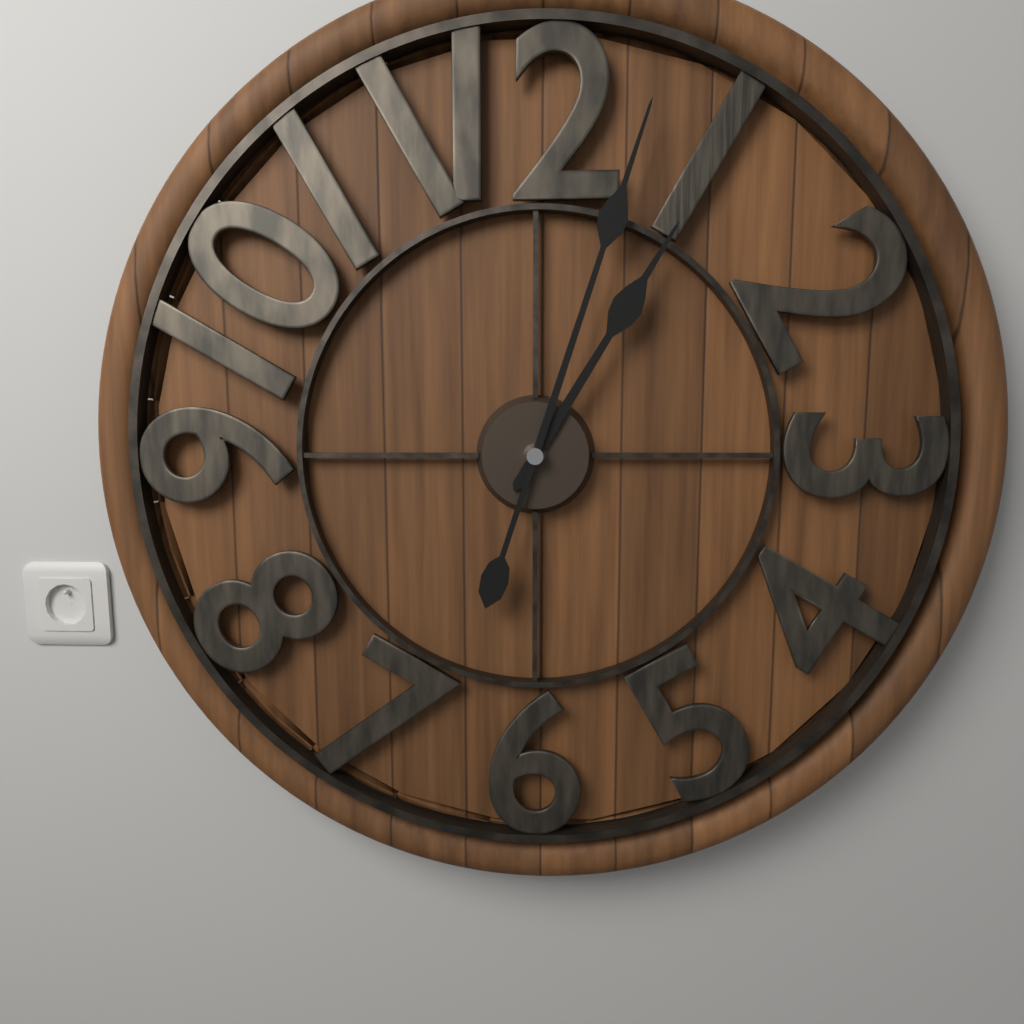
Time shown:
{"hour": 1, "minute": 3}
